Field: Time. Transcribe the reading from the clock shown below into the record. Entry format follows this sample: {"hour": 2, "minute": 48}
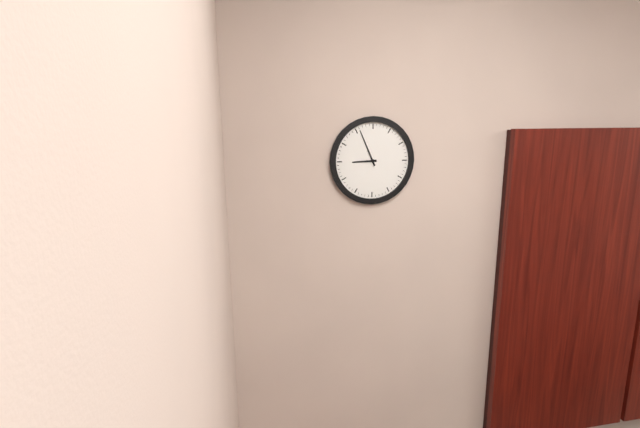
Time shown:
{"hour": 8, "minute": 56}
